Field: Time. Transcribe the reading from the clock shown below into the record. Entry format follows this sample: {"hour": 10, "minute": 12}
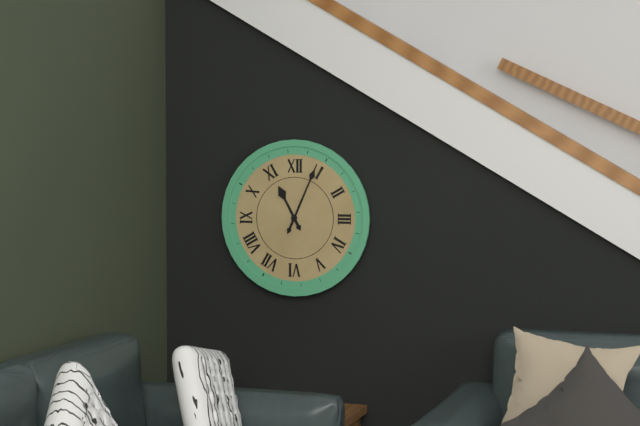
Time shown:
{"hour": 11, "minute": 4}
